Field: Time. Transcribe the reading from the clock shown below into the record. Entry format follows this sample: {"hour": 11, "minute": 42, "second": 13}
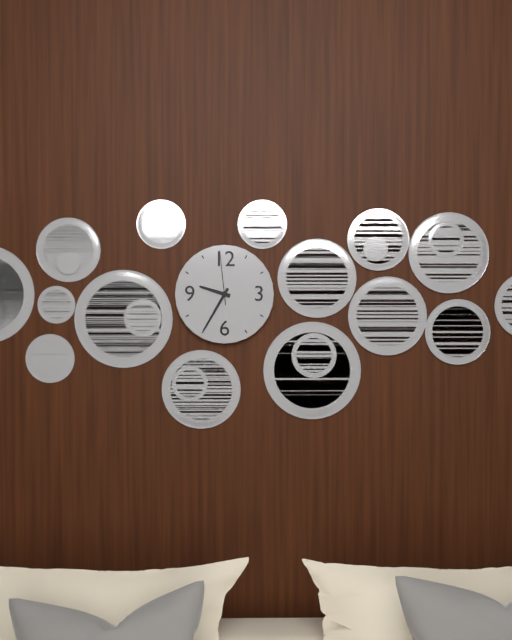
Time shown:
{"hour": 9, "minute": 35, "second": 59}
